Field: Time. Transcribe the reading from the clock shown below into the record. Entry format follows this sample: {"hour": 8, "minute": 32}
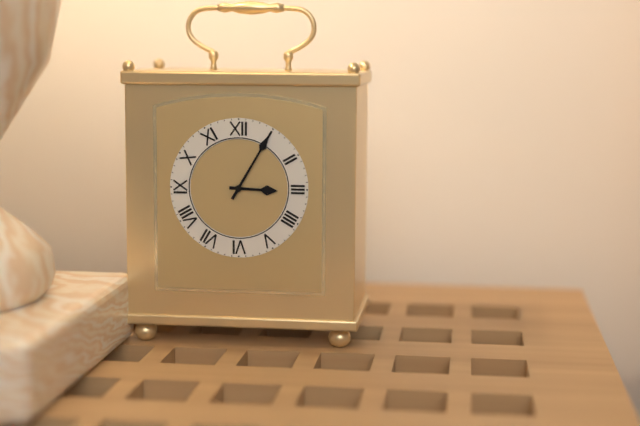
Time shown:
{"hour": 3, "minute": 5}
